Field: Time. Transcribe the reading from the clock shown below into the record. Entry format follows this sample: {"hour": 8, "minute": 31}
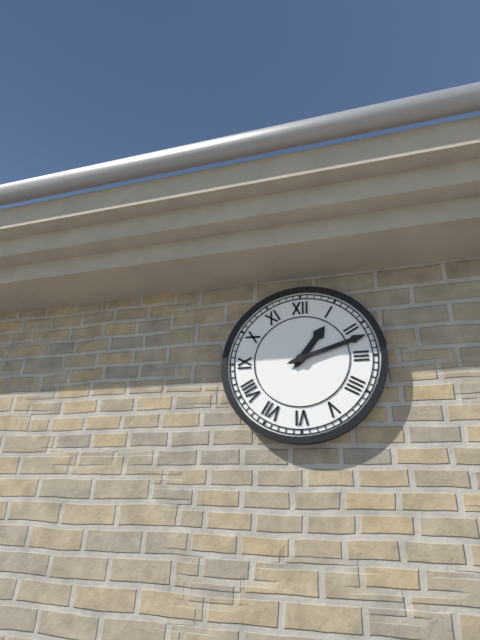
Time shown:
{"hour": 1, "minute": 12}
